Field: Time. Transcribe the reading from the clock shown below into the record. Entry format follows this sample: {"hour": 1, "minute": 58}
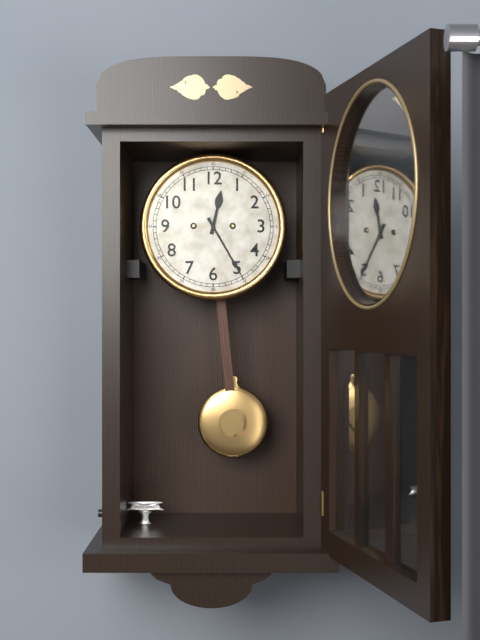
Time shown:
{"hour": 12, "minute": 25}
